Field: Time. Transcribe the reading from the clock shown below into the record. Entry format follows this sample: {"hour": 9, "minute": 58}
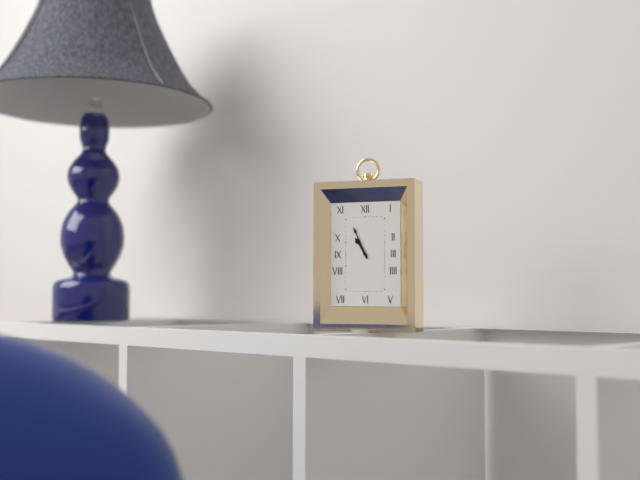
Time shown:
{"hour": 10, "minute": 56}
